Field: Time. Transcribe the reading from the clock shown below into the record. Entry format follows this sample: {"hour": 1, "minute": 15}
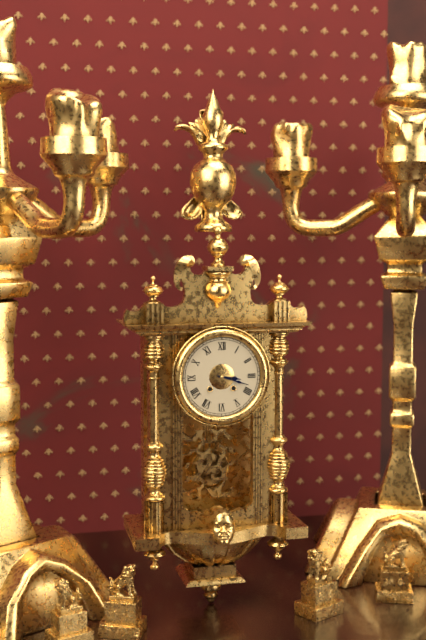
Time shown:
{"hour": 3, "minute": 18}
